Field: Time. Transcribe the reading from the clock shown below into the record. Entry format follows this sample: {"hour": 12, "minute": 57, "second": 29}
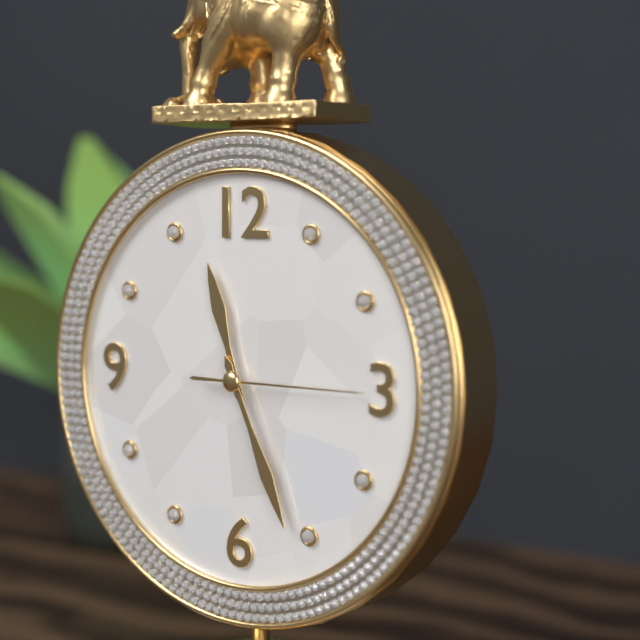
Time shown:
{"hour": 11, "minute": 26, "second": 15}
